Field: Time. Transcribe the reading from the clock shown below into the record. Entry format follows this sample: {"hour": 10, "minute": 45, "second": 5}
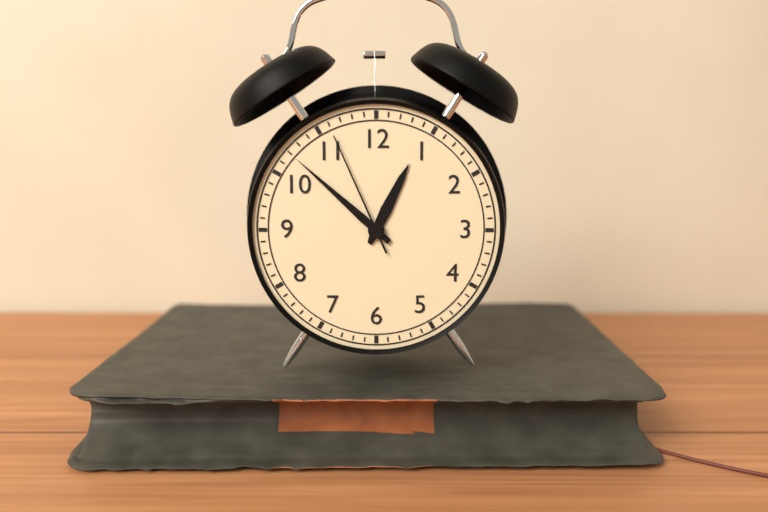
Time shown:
{"hour": 12, "minute": 52, "second": 56}
